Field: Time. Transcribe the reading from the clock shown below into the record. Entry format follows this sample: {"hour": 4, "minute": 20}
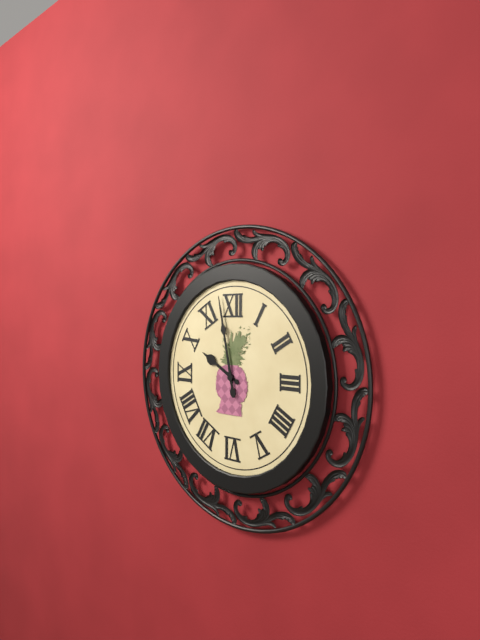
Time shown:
{"hour": 9, "minute": 58}
